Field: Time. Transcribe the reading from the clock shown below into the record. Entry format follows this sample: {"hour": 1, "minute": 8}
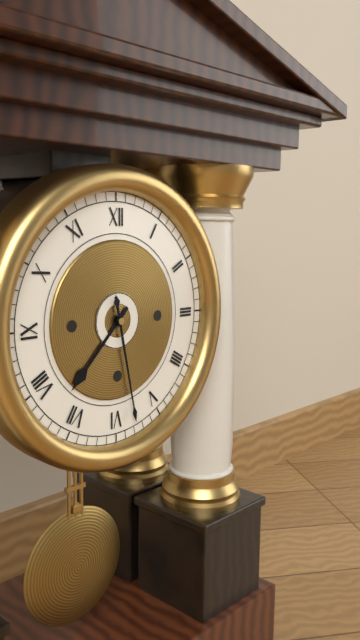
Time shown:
{"hour": 7, "minute": 28}
